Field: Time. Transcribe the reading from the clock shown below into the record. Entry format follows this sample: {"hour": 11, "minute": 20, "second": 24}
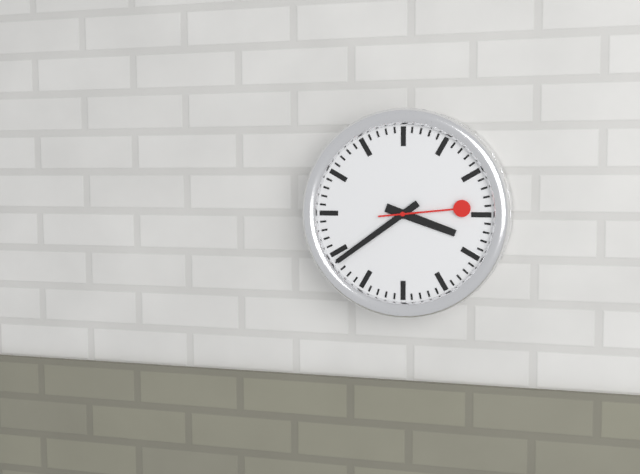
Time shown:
{"hour": 3, "minute": 39, "second": 14}
